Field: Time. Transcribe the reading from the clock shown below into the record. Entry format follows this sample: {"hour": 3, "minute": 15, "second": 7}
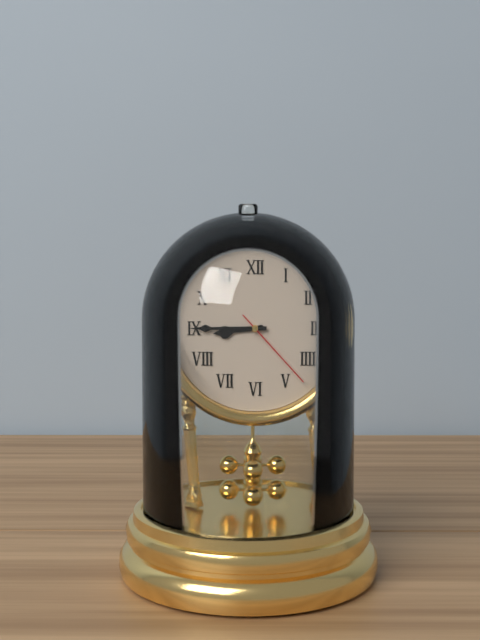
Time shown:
{"hour": 8, "minute": 45, "second": 23}
